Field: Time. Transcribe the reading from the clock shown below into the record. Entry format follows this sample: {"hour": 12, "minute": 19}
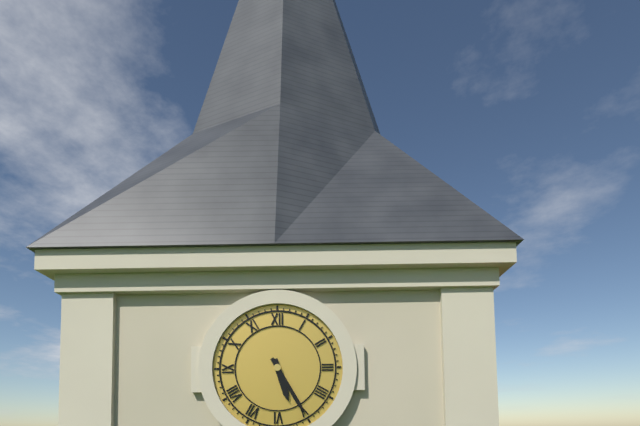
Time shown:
{"hour": 5, "minute": 25}
